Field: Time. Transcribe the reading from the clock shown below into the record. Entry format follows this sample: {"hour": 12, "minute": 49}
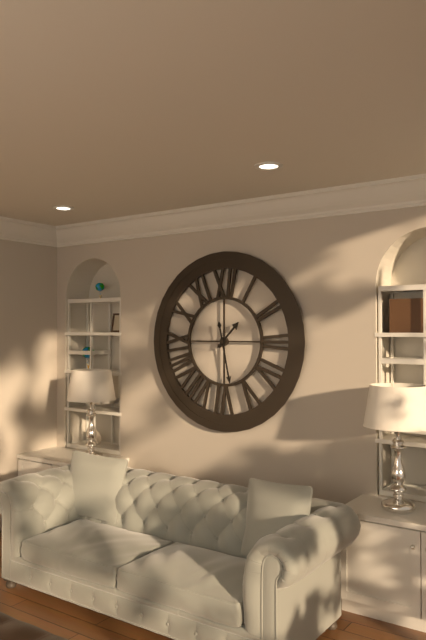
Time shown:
{"hour": 1, "minute": 28}
